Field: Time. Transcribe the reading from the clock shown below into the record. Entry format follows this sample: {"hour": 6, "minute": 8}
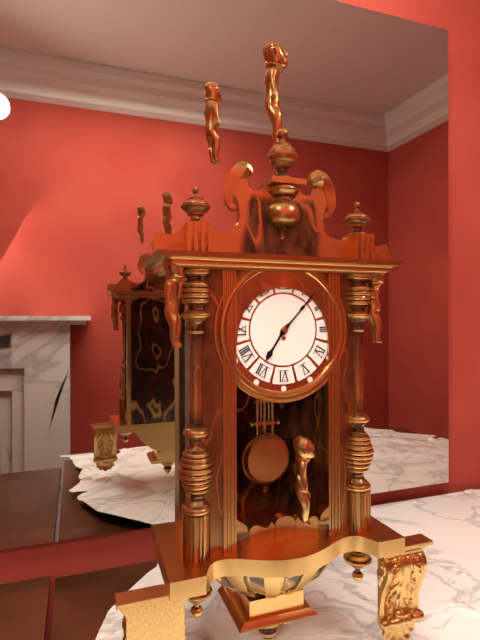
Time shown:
{"hour": 7, "minute": 7}
